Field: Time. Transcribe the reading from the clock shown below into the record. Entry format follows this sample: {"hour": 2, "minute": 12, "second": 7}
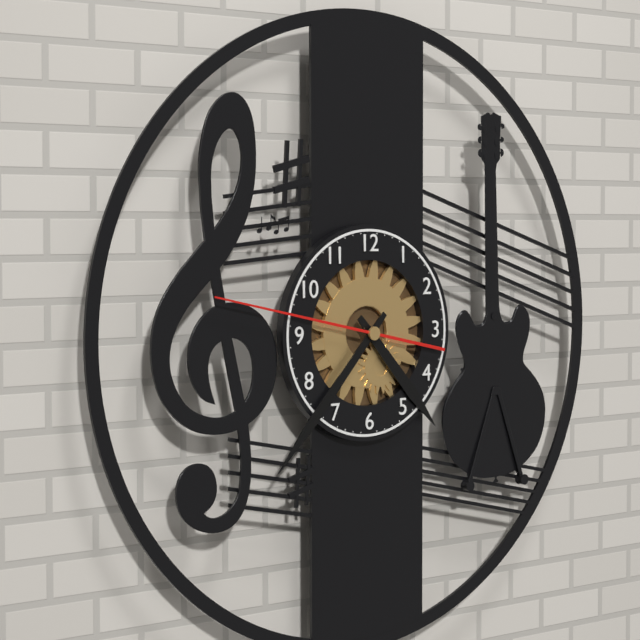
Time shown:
{"hour": 4, "minute": 37, "second": 47}
